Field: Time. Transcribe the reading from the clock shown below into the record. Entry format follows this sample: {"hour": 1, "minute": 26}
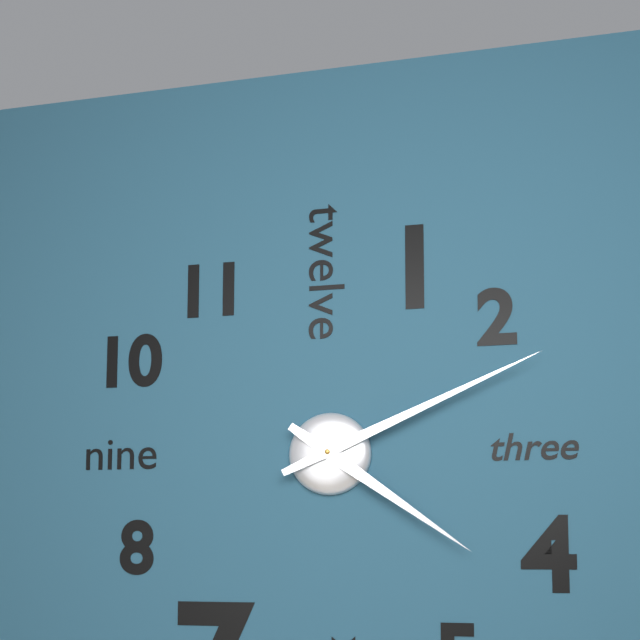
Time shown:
{"hour": 4, "minute": 11}
